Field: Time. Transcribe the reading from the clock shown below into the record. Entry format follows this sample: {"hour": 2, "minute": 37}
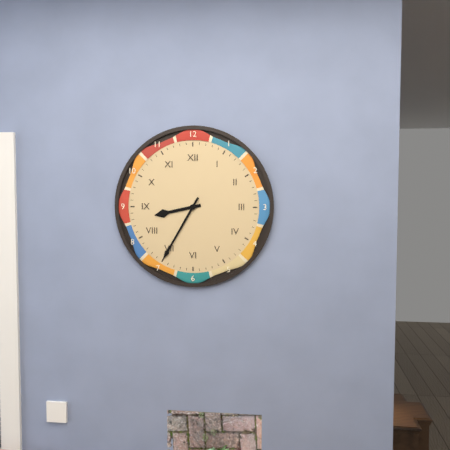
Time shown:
{"hour": 8, "minute": 35}
